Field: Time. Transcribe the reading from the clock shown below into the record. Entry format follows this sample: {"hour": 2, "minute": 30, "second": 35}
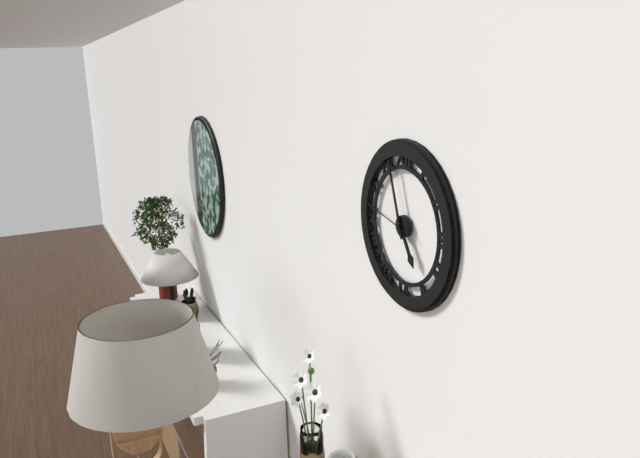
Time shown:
{"hour": 4, "minute": 57, "second": 47}
